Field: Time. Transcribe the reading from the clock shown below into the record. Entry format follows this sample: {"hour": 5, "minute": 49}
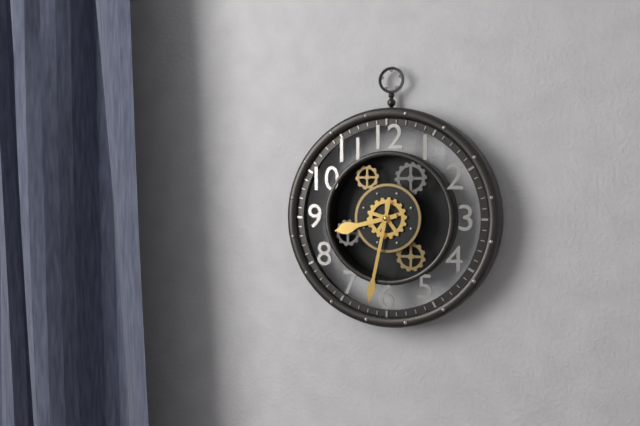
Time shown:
{"hour": 8, "minute": 32}
